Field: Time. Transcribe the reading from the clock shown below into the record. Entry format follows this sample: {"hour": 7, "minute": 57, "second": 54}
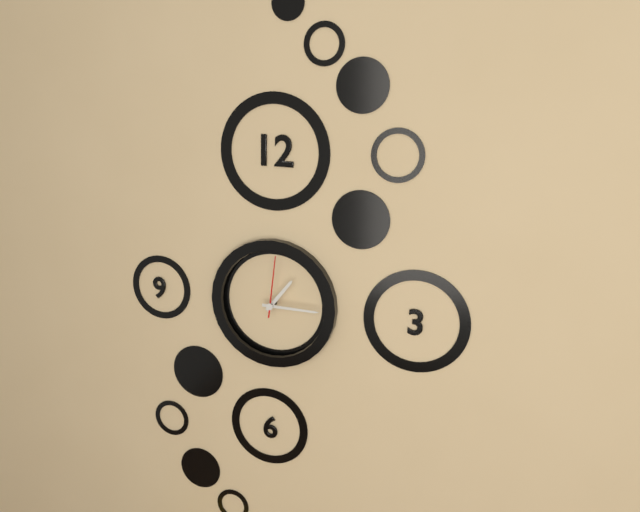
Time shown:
{"hour": 1, "minute": 15, "second": 1}
